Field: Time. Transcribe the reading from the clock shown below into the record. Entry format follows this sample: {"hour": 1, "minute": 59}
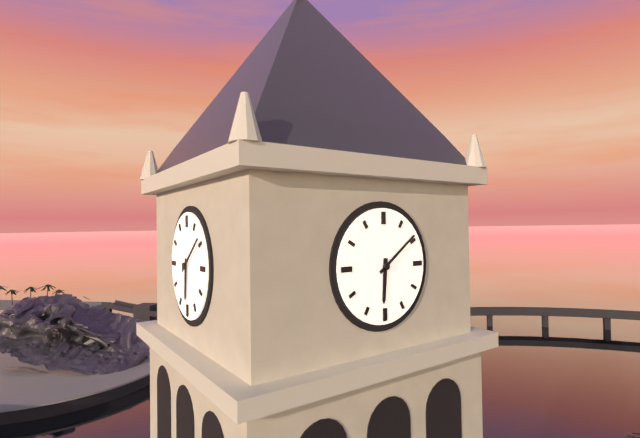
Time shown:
{"hour": 6, "minute": 9}
